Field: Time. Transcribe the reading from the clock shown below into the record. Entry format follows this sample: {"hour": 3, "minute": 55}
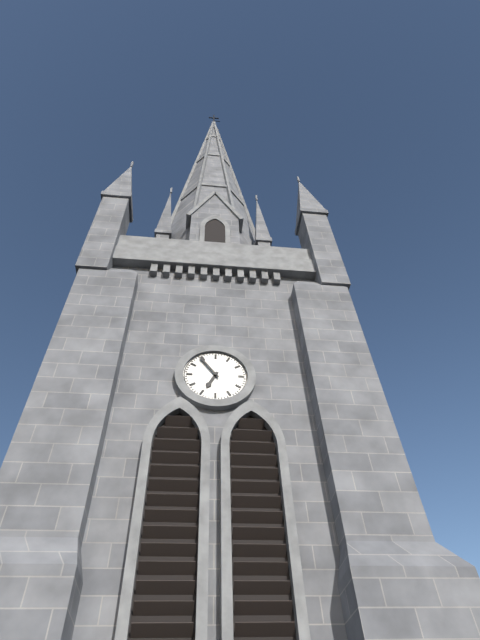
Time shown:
{"hour": 6, "minute": 54}
